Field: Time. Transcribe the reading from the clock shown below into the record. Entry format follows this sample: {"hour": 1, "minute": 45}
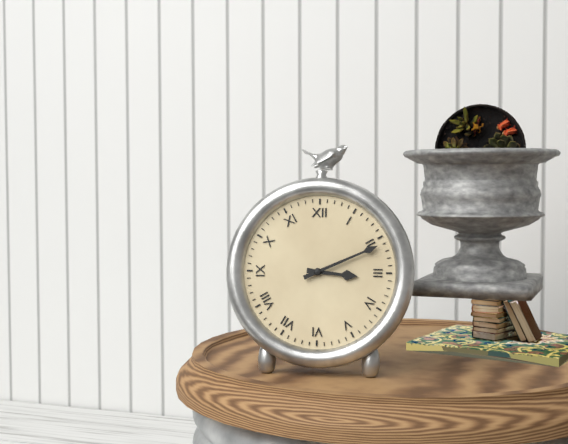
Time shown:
{"hour": 3, "minute": 11}
